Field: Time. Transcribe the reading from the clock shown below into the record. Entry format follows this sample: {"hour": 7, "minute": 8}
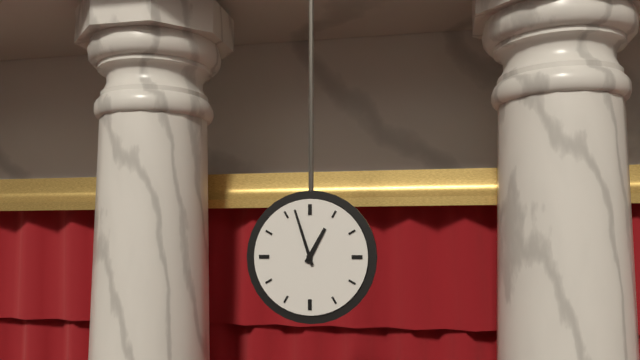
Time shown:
{"hour": 12, "minute": 57}
